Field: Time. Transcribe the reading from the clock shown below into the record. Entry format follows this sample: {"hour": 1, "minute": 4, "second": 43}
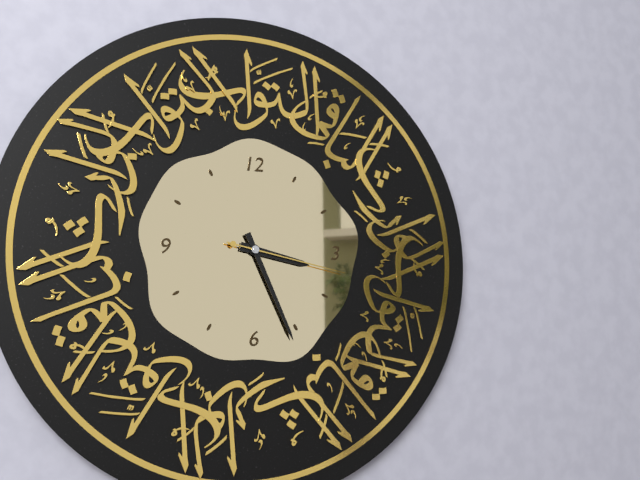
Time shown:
{"hour": 3, "minute": 26, "second": 17}
